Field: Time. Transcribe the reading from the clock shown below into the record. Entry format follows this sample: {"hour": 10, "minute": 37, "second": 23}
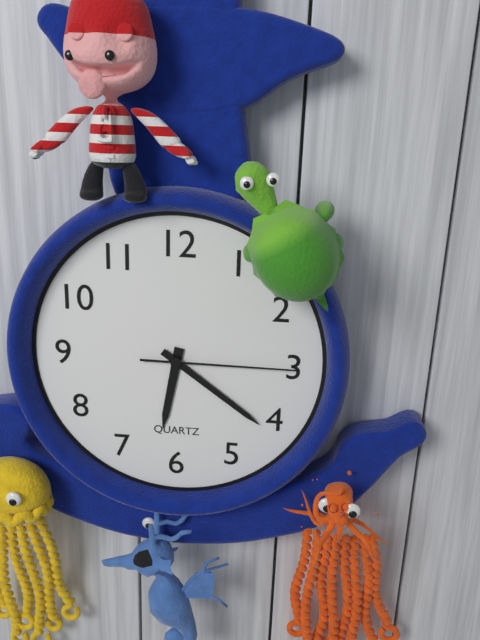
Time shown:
{"hour": 6, "minute": 21, "second": 15}
